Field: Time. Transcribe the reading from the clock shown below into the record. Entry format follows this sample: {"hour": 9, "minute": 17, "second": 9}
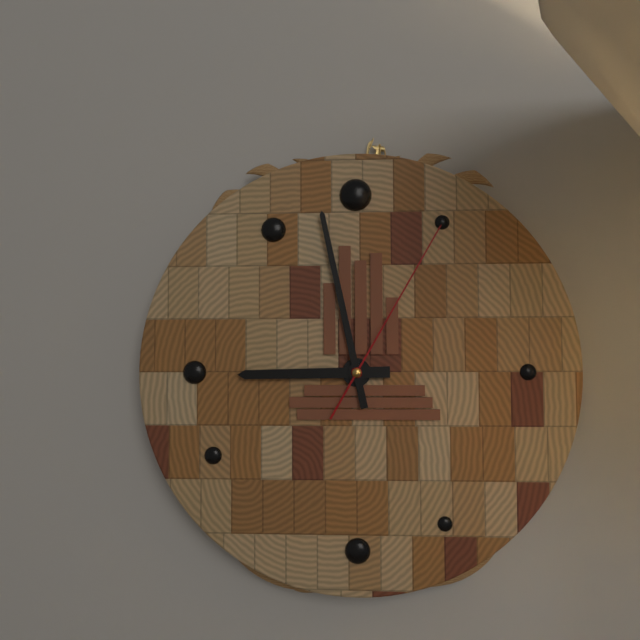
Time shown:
{"hour": 8, "minute": 58, "second": 5}
